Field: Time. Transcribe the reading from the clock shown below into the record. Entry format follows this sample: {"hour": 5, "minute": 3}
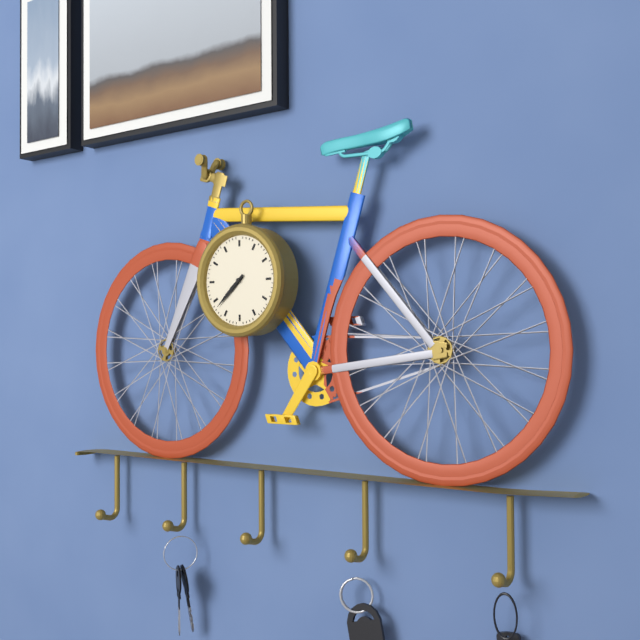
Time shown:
{"hour": 7, "minute": 38}
